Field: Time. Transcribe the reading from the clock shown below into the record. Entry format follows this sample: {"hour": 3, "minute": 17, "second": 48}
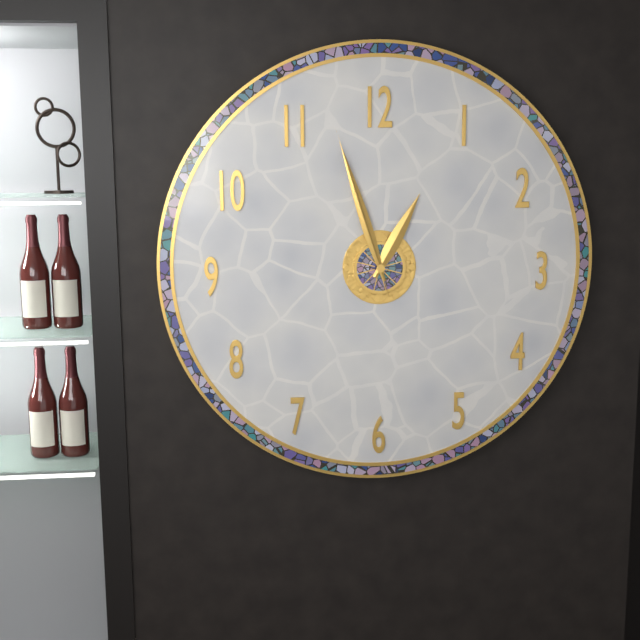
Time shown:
{"hour": 12, "minute": 57, "second": 57}
